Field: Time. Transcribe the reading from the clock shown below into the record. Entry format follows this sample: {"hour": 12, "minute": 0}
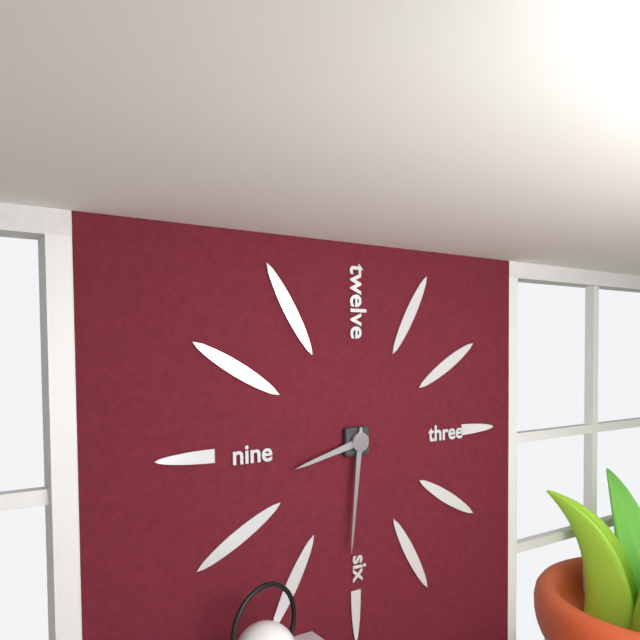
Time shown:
{"hour": 8, "minute": 31}
